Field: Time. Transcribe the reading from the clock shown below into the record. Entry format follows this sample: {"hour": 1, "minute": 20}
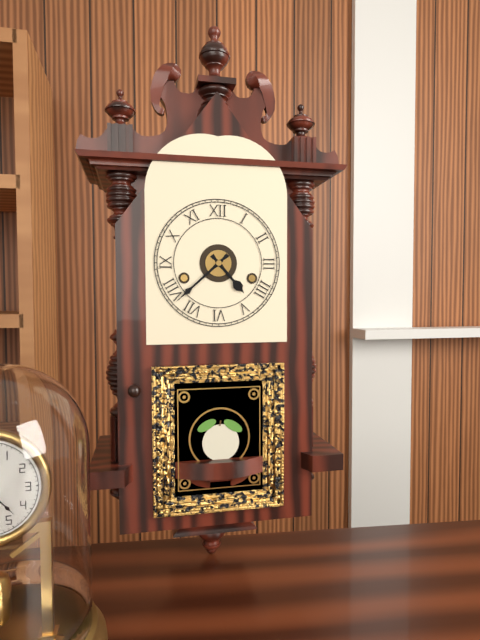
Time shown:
{"hour": 4, "minute": 38}
